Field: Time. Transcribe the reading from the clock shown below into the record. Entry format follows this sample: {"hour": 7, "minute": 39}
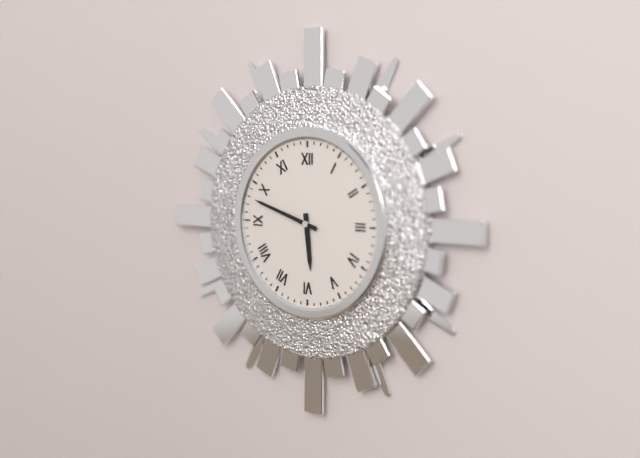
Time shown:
{"hour": 5, "minute": 48}
